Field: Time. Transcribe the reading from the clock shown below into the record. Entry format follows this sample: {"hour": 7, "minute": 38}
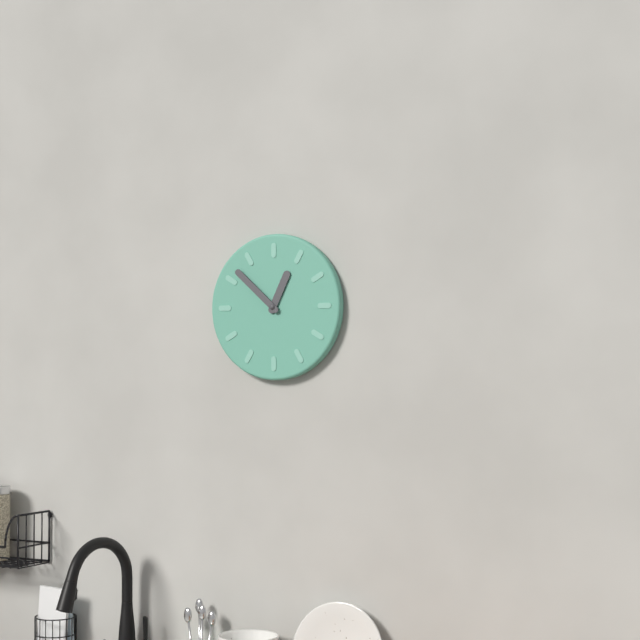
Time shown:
{"hour": 12, "minute": 52}
